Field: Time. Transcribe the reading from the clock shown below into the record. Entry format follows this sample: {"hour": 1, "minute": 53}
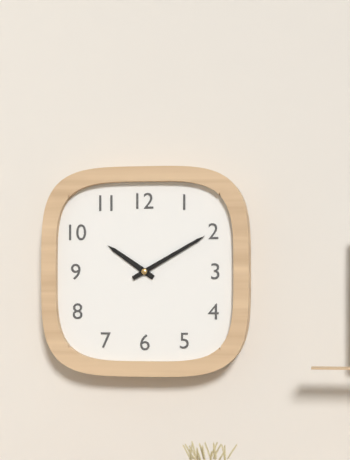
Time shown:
{"hour": 10, "minute": 10}
